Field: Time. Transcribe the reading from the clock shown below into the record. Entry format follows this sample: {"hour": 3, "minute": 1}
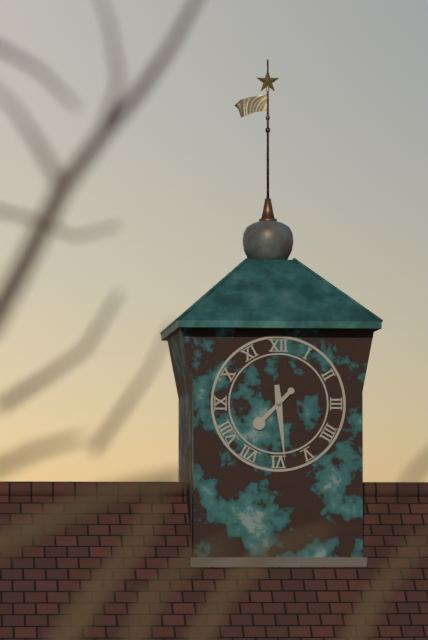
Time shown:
{"hour": 7, "minute": 29}
